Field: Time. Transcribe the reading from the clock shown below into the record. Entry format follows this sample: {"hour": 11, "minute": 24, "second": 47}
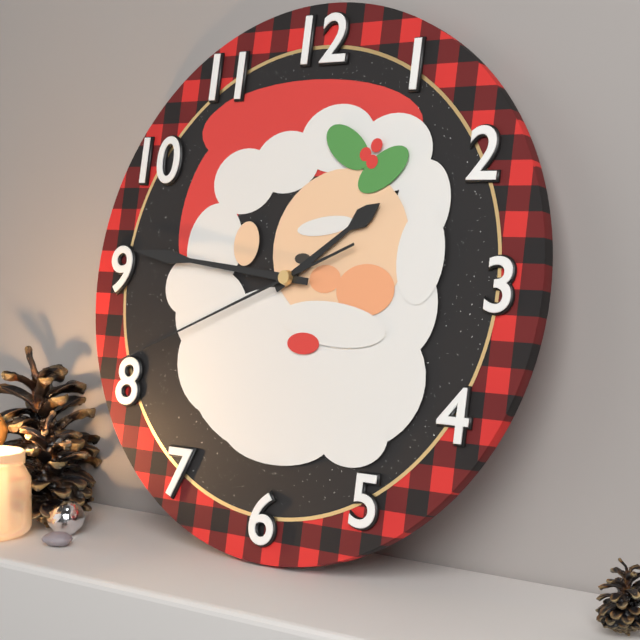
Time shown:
{"hour": 1, "minute": 46, "second": 41}
